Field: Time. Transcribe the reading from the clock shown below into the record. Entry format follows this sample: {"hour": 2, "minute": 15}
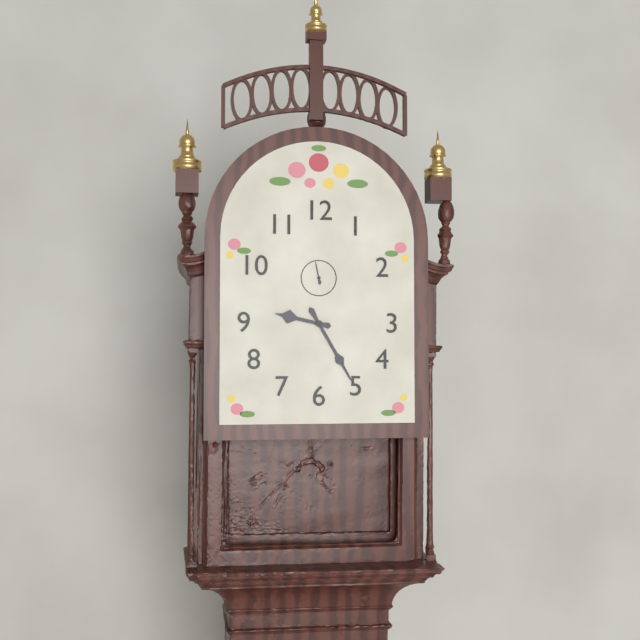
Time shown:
{"hour": 9, "minute": 25}
